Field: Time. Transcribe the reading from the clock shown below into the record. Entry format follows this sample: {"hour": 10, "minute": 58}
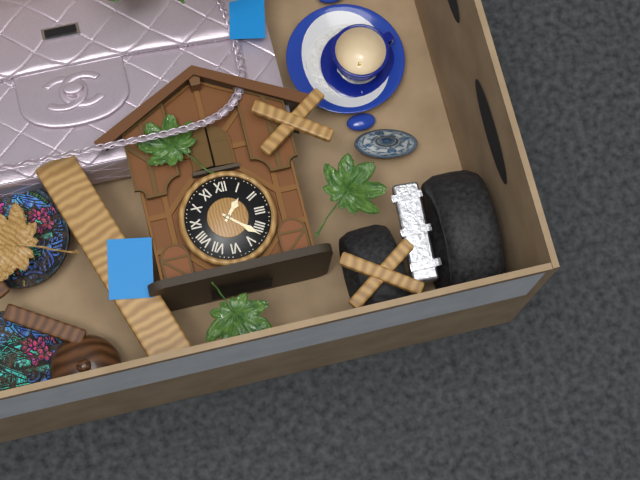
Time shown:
{"hour": 1, "minute": 22}
